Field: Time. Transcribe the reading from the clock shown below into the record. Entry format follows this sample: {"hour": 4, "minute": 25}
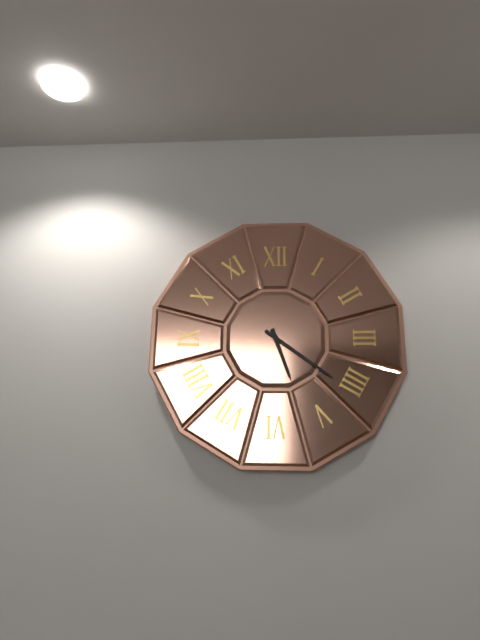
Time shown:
{"hour": 5, "minute": 21}
